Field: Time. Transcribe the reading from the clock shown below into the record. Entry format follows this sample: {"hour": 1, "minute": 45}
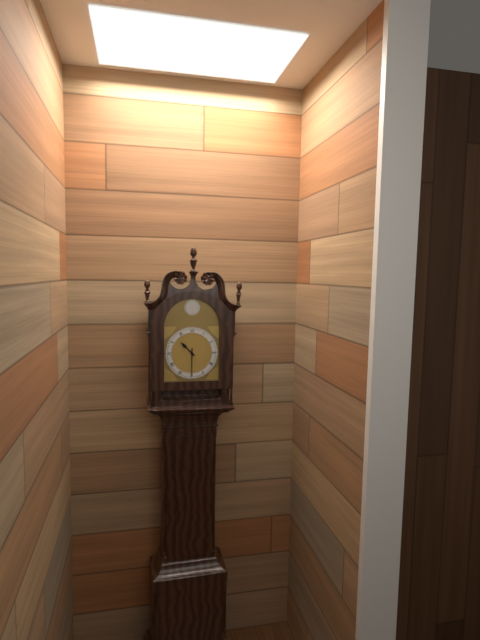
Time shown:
{"hour": 10, "minute": 30}
